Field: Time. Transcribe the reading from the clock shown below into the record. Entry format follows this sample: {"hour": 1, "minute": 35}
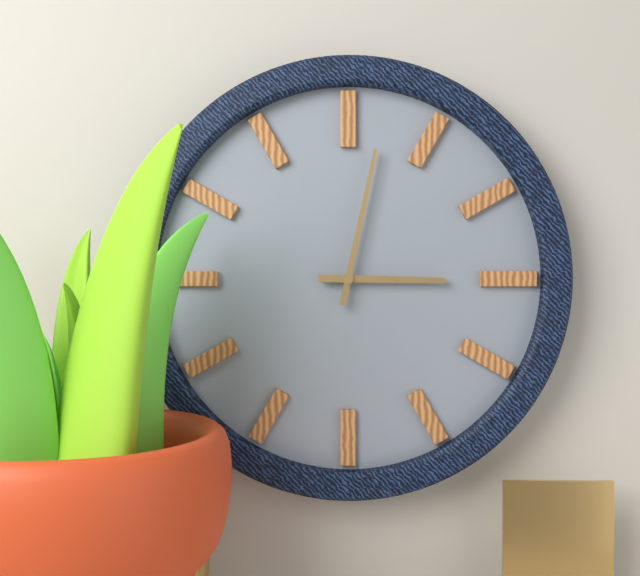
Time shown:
{"hour": 3, "minute": 2}
